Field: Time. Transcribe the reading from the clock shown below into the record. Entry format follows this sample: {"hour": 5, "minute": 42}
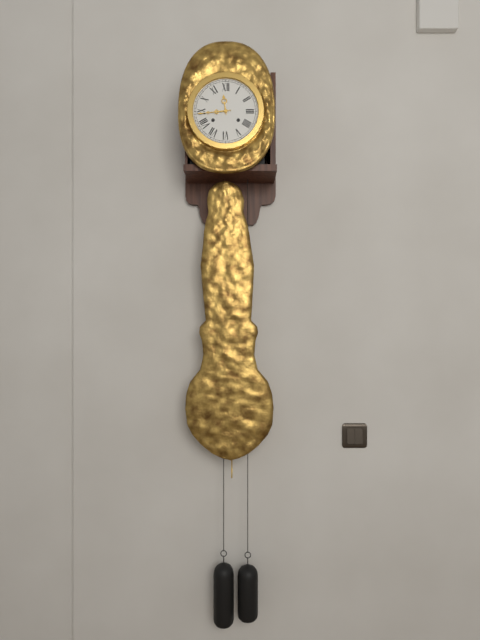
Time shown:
{"hour": 11, "minute": 44}
